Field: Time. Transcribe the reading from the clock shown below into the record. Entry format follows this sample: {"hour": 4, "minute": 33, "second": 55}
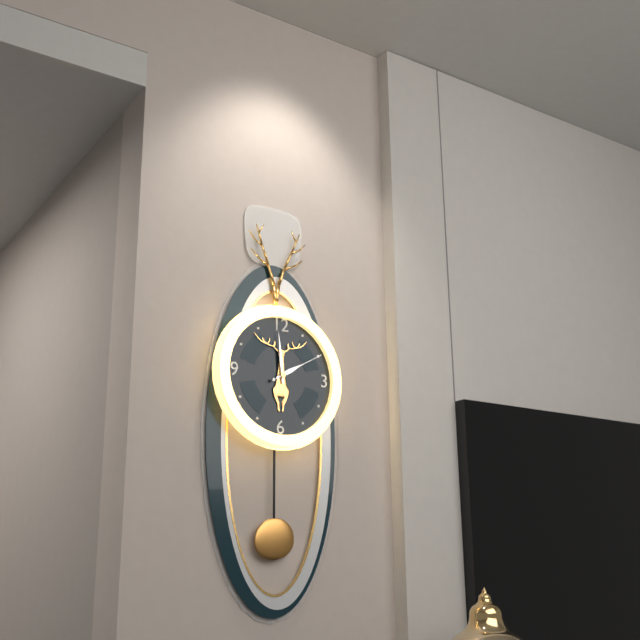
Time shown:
{"hour": 1, "minute": 59, "second": 10}
